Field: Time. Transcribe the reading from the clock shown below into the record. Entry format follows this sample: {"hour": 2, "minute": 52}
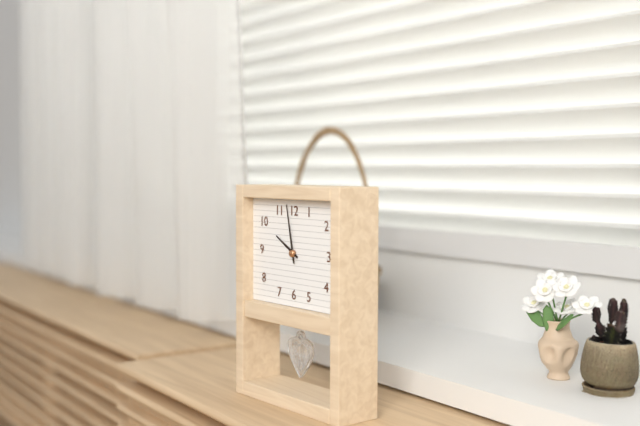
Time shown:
{"hour": 9, "minute": 58}
